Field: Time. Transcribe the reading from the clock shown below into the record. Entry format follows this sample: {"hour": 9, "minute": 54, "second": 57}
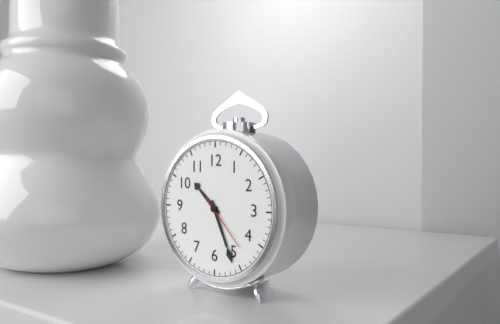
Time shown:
{"hour": 10, "minute": 26, "second": 23}
